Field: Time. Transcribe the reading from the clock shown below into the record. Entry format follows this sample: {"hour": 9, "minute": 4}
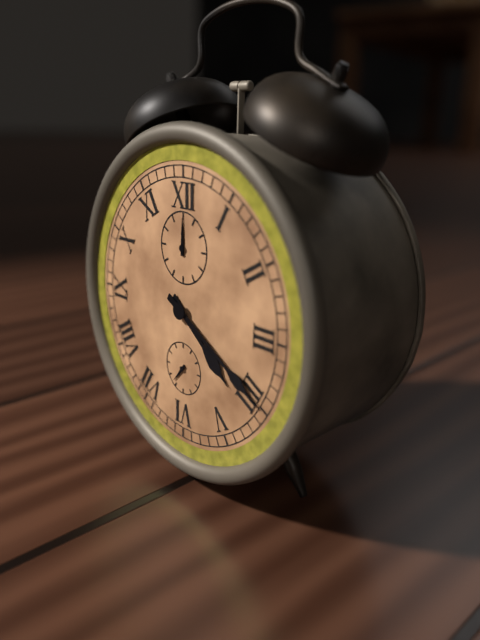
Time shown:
{"hour": 4, "minute": 20}
